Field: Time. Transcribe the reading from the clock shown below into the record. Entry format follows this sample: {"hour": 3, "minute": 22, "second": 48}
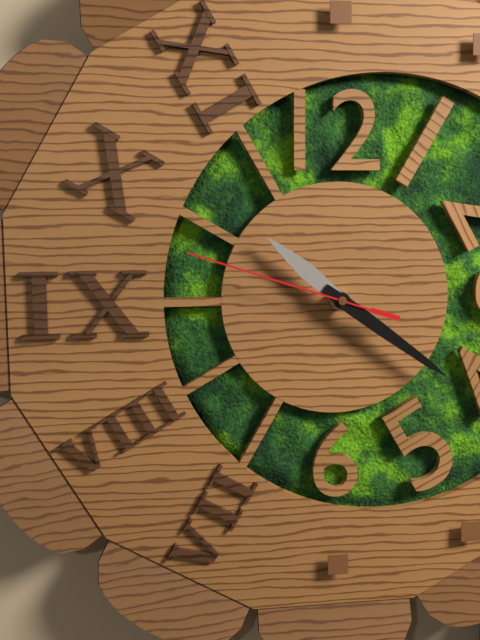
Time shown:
{"hour": 10, "minute": 21, "second": 48}
